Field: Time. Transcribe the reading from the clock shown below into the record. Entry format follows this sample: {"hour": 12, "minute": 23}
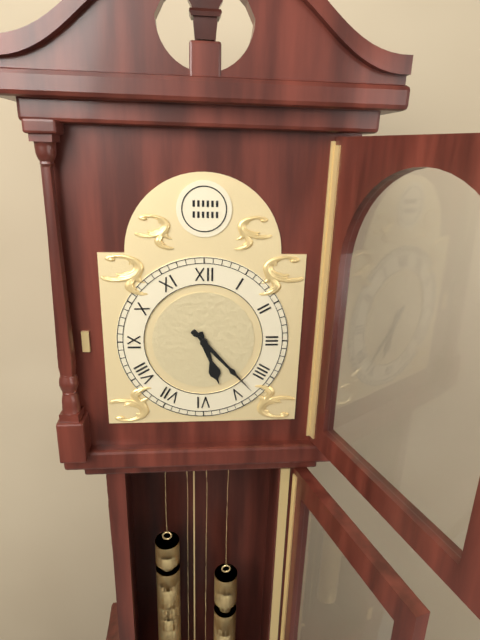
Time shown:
{"hour": 5, "minute": 23}
